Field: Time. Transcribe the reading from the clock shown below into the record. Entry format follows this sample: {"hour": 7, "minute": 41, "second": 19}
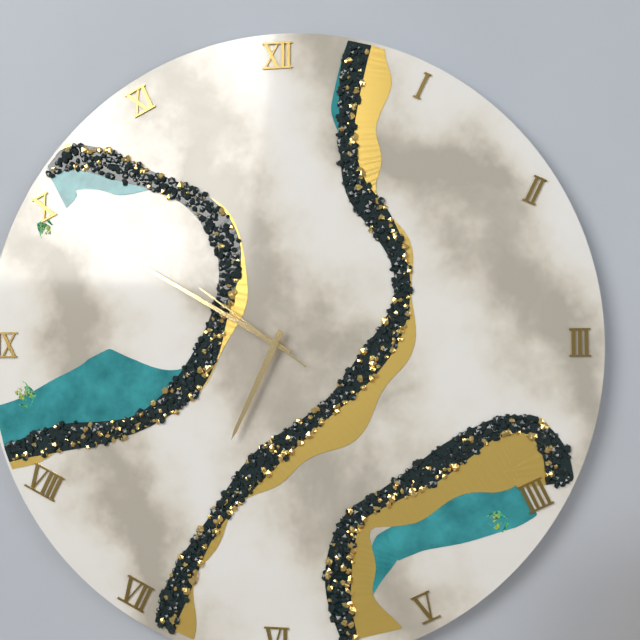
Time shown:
{"hour": 6, "minute": 50, "second": 51}
